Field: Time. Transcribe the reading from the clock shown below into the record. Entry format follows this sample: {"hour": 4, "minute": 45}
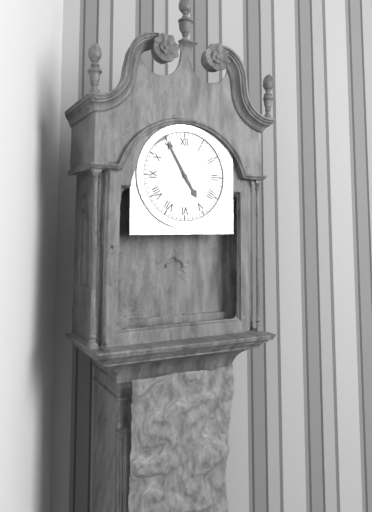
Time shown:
{"hour": 4, "minute": 55}
